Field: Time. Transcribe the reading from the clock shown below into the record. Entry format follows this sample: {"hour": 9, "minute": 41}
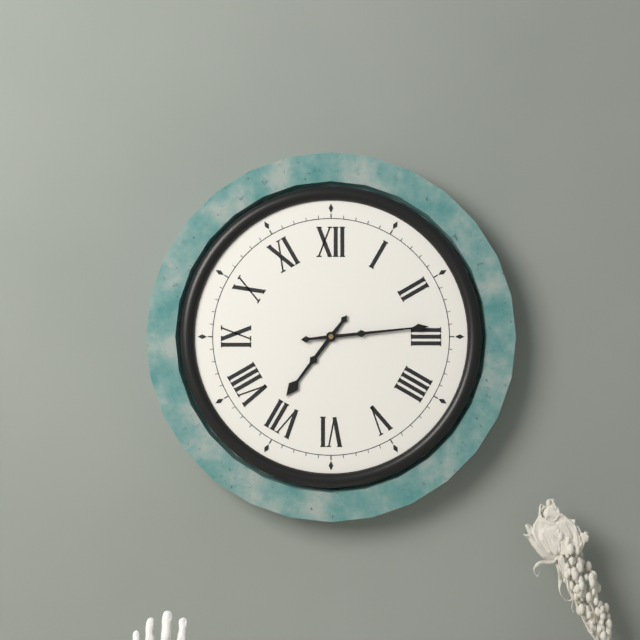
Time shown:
{"hour": 7, "minute": 14}
